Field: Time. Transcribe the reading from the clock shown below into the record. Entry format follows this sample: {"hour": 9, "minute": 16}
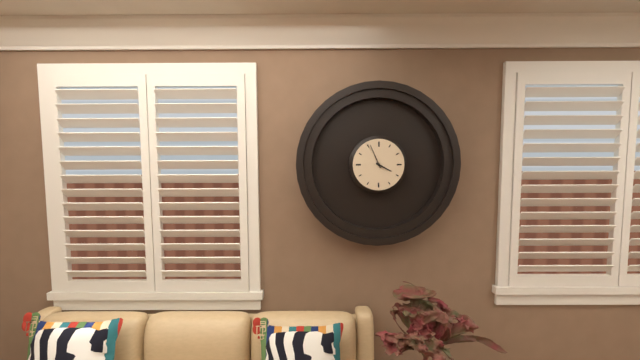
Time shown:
{"hour": 3, "minute": 56}
